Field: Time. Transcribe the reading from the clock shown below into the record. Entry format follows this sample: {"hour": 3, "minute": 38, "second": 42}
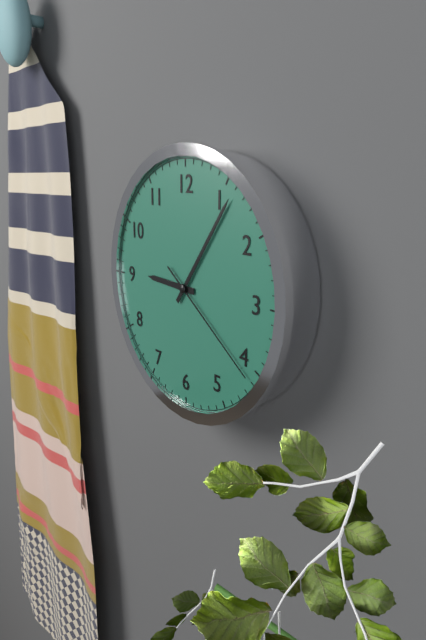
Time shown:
{"hour": 9, "minute": 6, "second": 21}
